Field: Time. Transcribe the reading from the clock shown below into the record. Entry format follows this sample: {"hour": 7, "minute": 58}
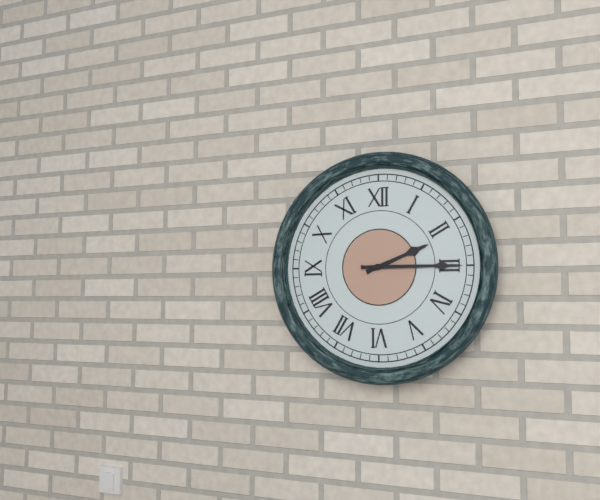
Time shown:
{"hour": 2, "minute": 15}
